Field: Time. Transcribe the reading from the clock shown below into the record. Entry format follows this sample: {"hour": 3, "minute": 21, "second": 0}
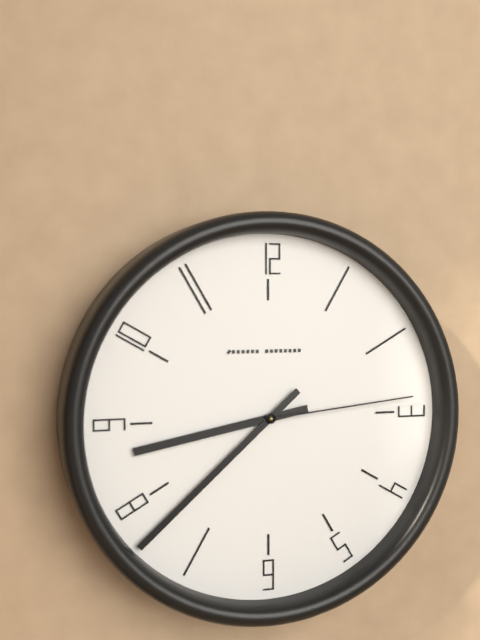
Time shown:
{"hour": 8, "minute": 38, "second": 14}
